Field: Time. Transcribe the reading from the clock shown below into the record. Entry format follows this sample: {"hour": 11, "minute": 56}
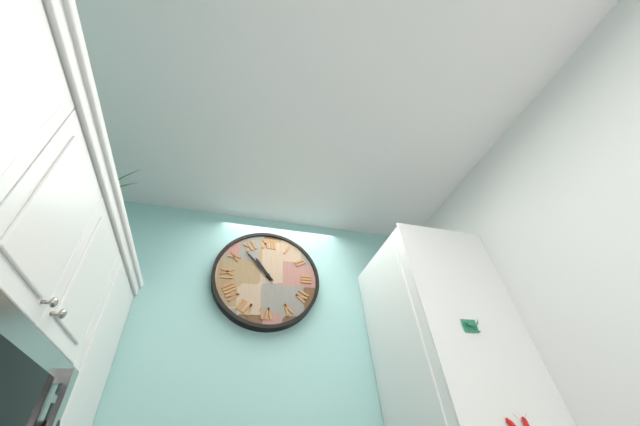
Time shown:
{"hour": 10, "minute": 53}
